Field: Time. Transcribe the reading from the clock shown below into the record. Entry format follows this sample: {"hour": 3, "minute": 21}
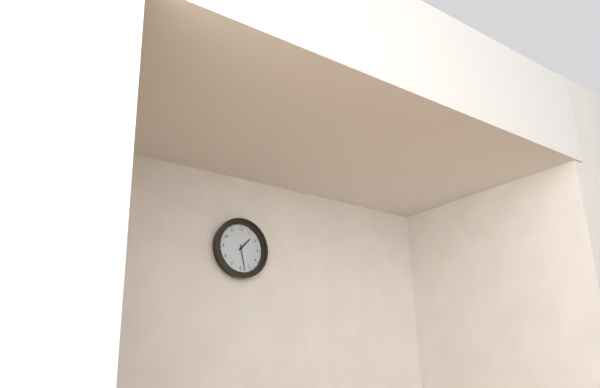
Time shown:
{"hour": 1, "minute": 28}
